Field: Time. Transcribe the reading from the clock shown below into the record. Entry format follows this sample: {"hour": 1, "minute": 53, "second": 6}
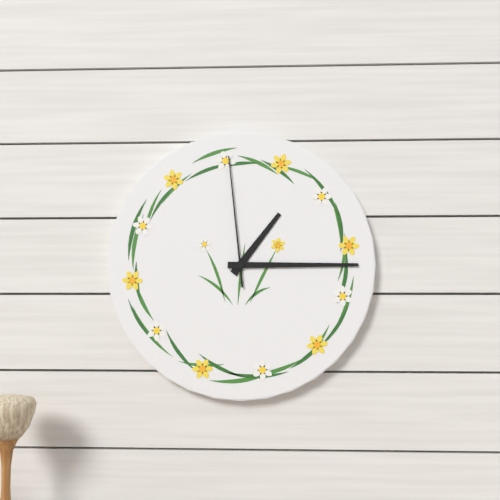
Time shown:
{"hour": 1, "minute": 15, "second": 59}
